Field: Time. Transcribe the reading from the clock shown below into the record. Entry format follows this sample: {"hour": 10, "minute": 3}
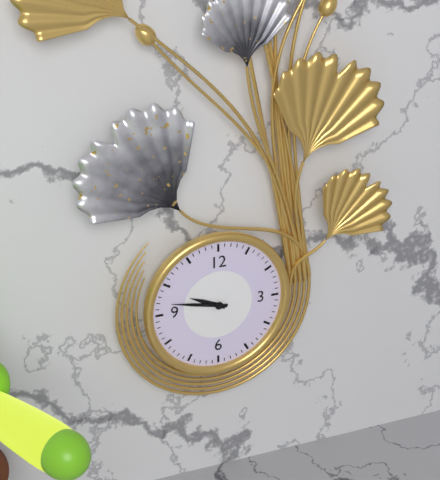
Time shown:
{"hour": 9, "minute": 47}
